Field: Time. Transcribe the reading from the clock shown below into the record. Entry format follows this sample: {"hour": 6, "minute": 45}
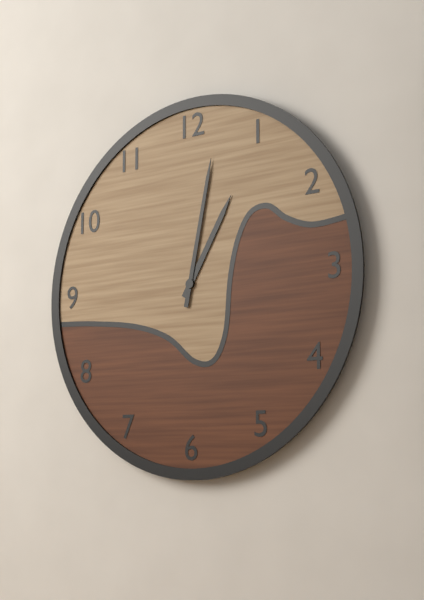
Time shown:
{"hour": 1, "minute": 2}
